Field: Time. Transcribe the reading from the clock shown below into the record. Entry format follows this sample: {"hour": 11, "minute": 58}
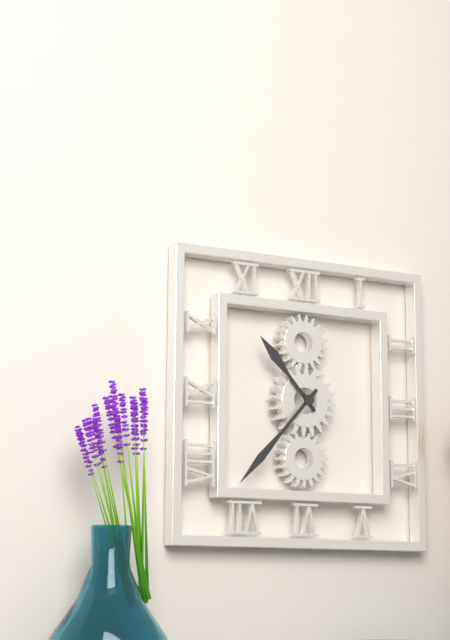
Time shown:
{"hour": 10, "minute": 37}
